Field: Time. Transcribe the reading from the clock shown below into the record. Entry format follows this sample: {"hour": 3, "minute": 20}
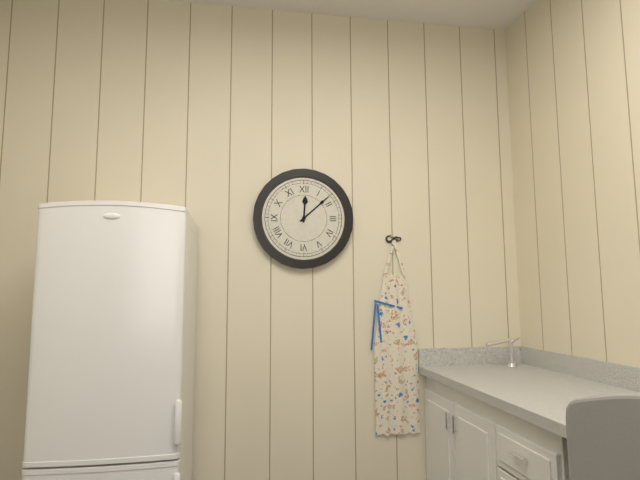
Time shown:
{"hour": 12, "minute": 8}
